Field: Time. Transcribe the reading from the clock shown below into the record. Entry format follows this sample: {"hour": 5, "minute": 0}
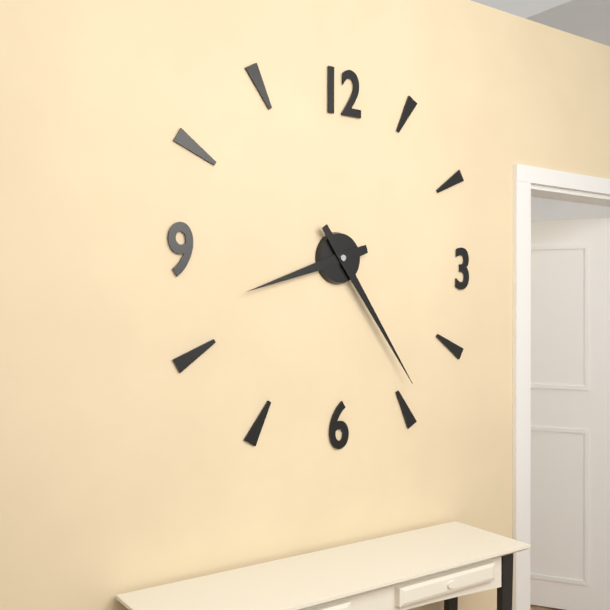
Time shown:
{"hour": 8, "minute": 24}
